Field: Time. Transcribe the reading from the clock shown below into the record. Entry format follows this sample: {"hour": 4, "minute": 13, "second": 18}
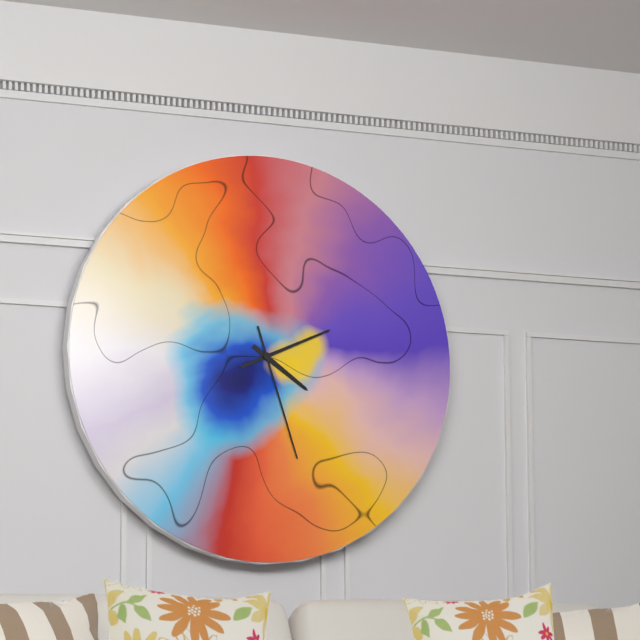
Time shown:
{"hour": 4, "minute": 11, "second": 27}
